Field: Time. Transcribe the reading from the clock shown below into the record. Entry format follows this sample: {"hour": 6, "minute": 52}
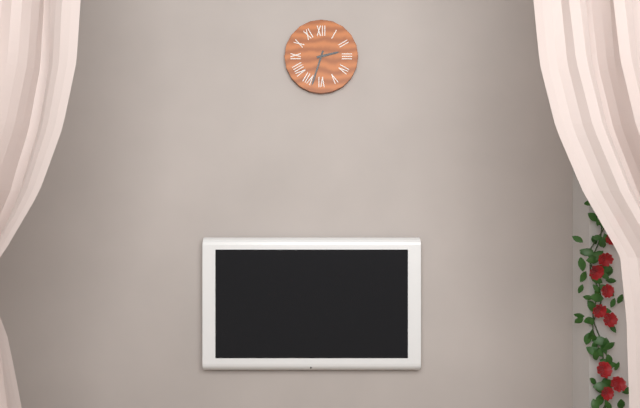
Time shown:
{"hour": 2, "minute": 33}
